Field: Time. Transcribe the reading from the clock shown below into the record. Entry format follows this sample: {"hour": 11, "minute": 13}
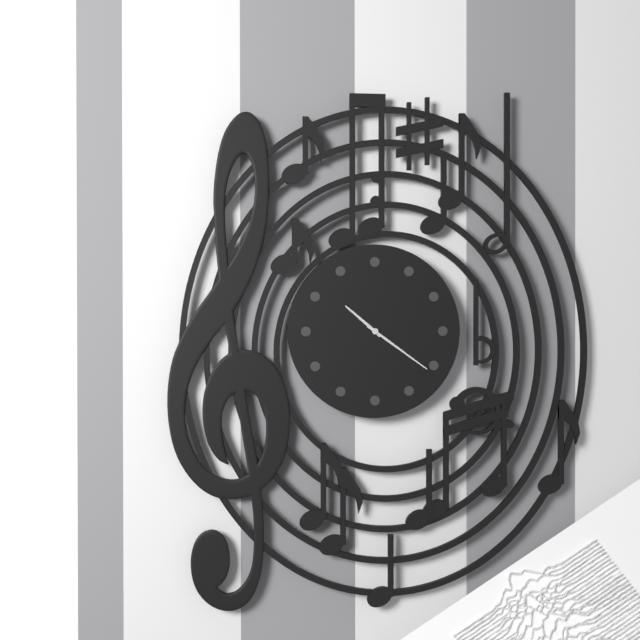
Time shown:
{"hour": 10, "minute": 21}
